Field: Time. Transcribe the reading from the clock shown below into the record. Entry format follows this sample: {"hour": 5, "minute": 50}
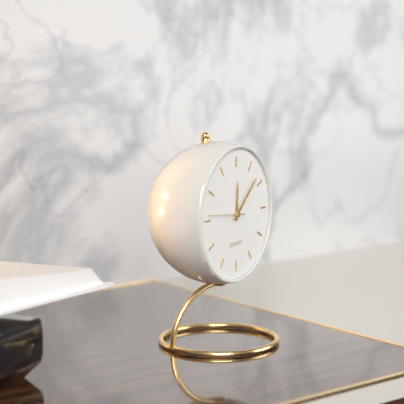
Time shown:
{"hour": 12, "minute": 8}
